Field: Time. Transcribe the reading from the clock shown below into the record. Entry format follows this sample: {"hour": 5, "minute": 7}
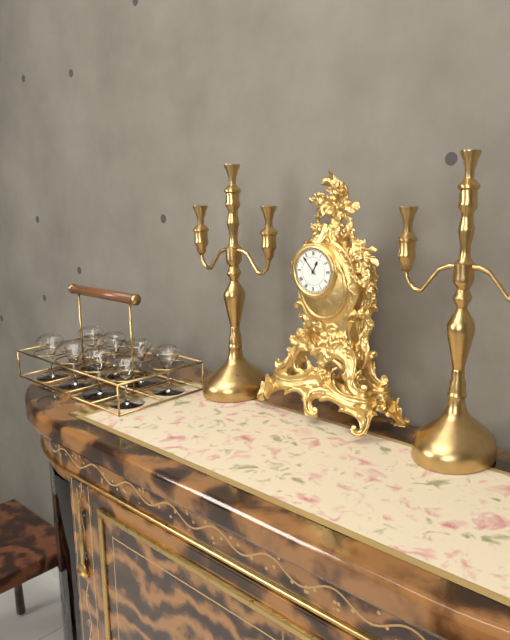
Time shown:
{"hour": 12, "minute": 53}
